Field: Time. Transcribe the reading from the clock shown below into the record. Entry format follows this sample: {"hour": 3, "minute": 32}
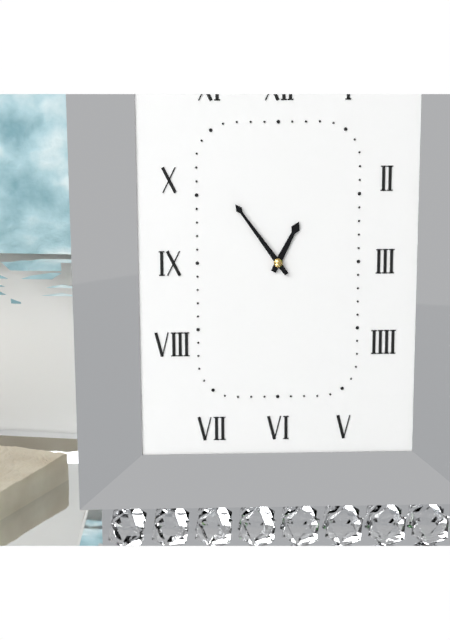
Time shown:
{"hour": 12, "minute": 54}
